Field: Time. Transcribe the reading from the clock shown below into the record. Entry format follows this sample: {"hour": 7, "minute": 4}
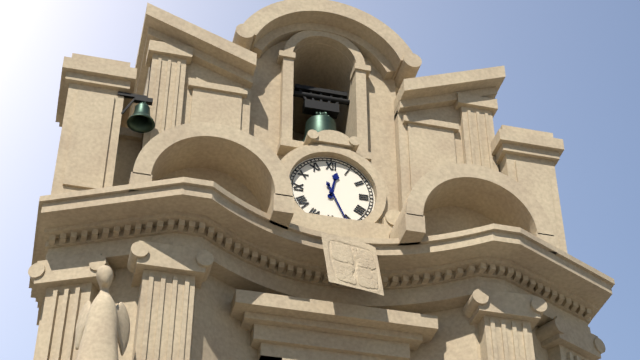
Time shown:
{"hour": 12, "minute": 26}
